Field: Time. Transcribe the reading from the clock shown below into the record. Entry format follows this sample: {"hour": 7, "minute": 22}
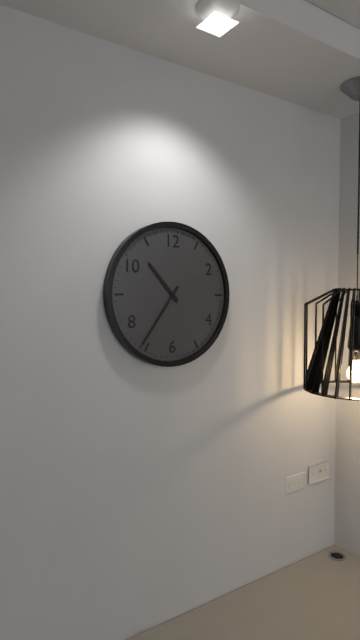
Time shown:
{"hour": 10, "minute": 36}
